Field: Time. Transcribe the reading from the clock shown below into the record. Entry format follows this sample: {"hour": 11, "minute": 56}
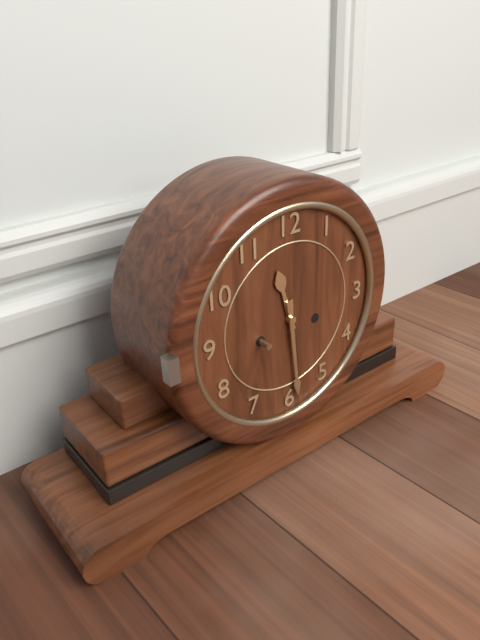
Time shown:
{"hour": 11, "minute": 29}
